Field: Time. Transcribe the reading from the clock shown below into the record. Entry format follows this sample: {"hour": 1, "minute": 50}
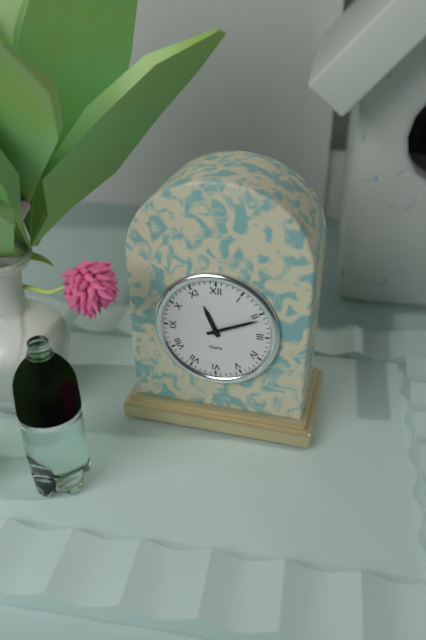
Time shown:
{"hour": 11, "minute": 11}
